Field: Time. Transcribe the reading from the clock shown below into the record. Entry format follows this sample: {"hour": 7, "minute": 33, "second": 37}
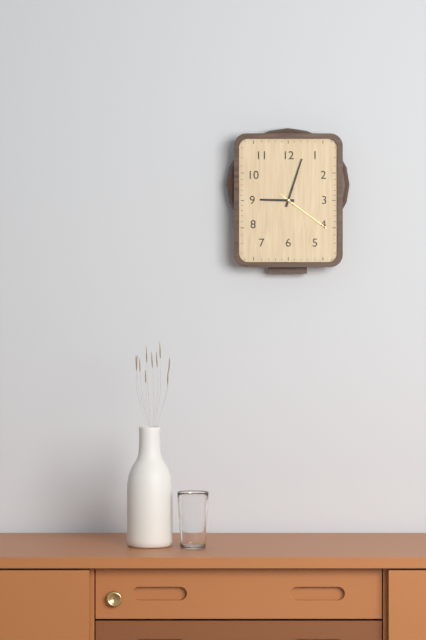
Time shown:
{"hour": 9, "minute": 3, "second": 21}
